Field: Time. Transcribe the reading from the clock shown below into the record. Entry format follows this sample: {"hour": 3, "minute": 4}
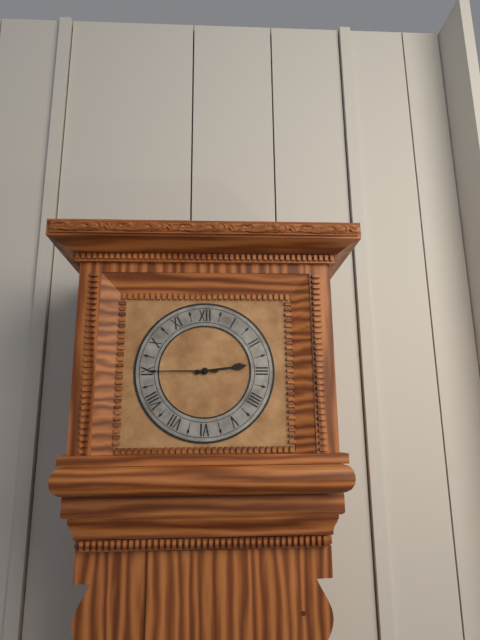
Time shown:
{"hour": 2, "minute": 45}
